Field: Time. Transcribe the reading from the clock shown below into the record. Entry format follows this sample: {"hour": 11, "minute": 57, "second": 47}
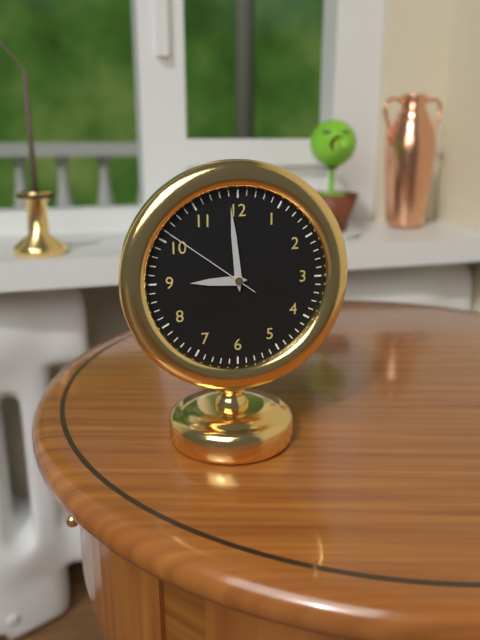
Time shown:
{"hour": 8, "minute": 59, "second": 51}
